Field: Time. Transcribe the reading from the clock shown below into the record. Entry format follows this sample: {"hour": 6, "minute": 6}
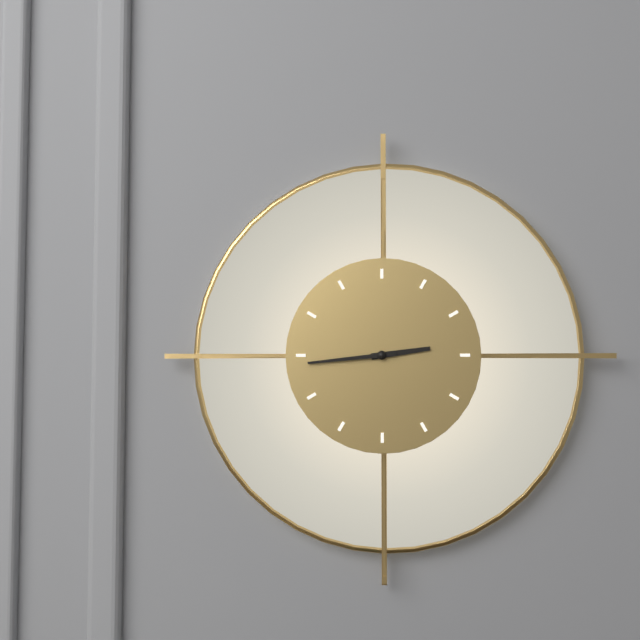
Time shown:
{"hour": 2, "minute": 44}
